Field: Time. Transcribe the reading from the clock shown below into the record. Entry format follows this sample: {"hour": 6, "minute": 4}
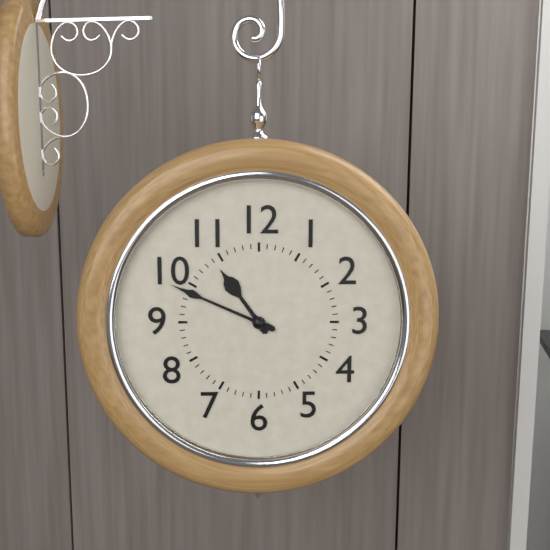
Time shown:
{"hour": 10, "minute": 49}
